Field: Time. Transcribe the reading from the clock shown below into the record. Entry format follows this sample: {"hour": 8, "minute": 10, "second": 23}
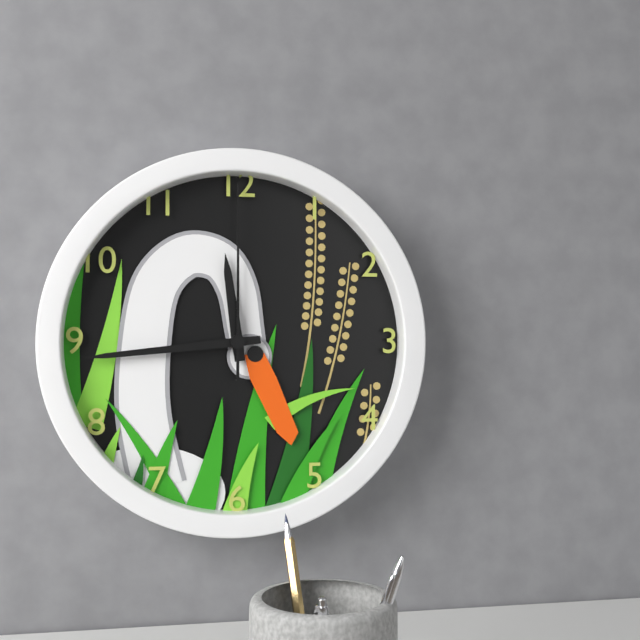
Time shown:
{"hour": 11, "minute": 44, "second": 0}
